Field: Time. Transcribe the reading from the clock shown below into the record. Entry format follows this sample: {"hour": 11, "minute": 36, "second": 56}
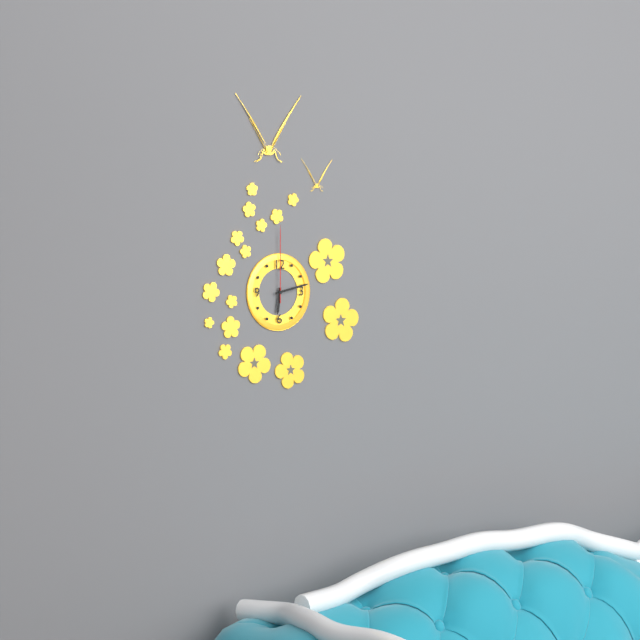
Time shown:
{"hour": 6, "minute": 13, "second": 0}
